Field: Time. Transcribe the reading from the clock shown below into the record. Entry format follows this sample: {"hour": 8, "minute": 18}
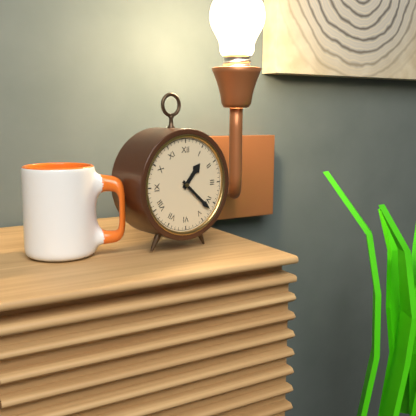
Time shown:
{"hour": 1, "minute": 22}
